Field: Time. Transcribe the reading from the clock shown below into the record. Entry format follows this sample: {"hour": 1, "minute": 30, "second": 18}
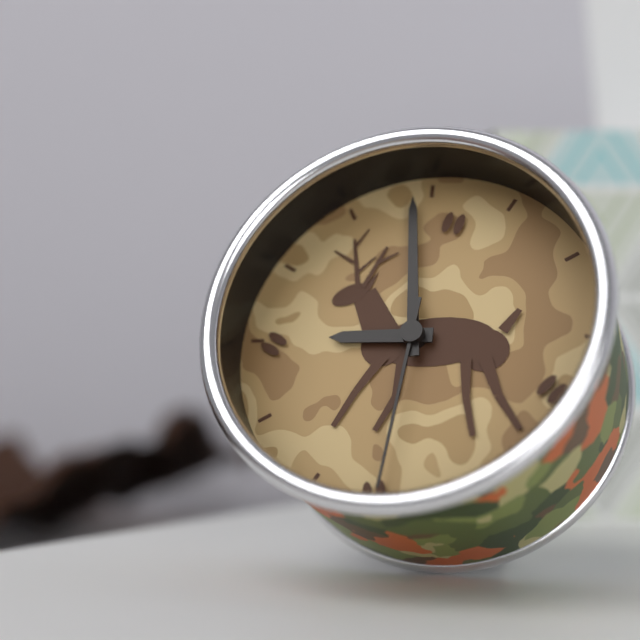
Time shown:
{"hour": 8, "minute": 59, "second": 31}
